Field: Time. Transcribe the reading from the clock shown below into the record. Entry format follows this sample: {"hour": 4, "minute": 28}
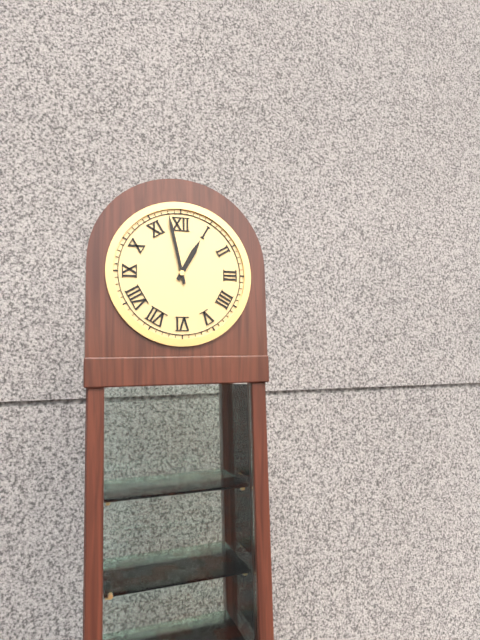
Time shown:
{"hour": 12, "minute": 58}
